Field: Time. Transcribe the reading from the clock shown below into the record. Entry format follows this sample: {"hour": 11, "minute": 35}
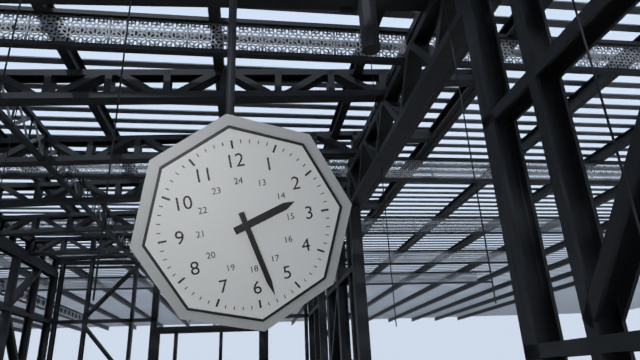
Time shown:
{"hour": 2, "minute": 28}
